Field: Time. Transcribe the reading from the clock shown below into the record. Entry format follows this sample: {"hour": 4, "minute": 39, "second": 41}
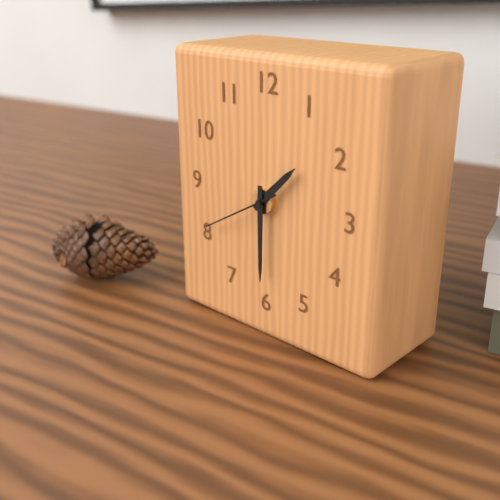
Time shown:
{"hour": 1, "minute": 30, "second": 40}
